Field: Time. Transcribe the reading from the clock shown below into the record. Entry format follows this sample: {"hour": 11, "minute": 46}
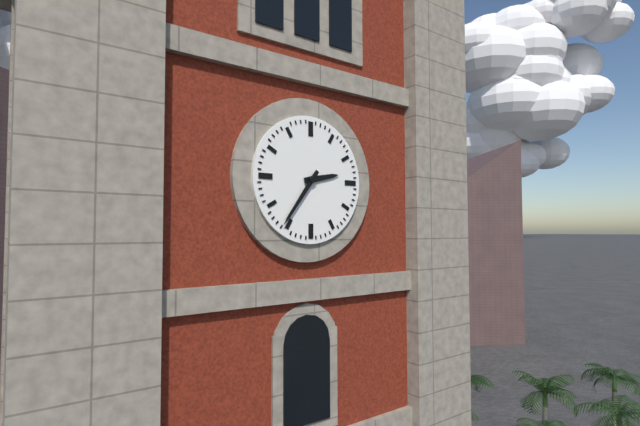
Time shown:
{"hour": 2, "minute": 36}
